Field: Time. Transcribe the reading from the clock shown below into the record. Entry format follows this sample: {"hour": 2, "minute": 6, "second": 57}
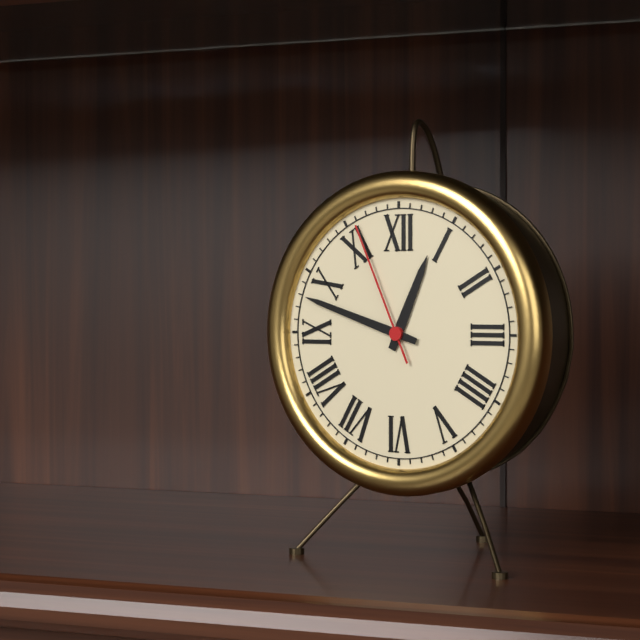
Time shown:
{"hour": 12, "minute": 48, "second": 56}
